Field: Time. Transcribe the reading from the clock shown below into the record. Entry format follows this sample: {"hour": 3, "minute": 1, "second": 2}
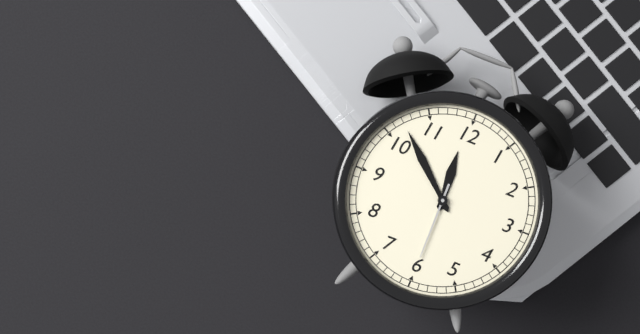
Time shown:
{"hour": 11, "minute": 52, "second": 30}
